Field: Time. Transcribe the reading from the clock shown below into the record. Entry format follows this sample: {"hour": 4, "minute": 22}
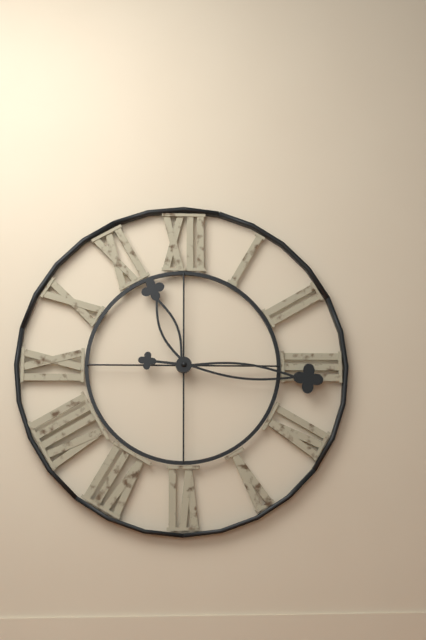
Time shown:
{"hour": 11, "minute": 16}
